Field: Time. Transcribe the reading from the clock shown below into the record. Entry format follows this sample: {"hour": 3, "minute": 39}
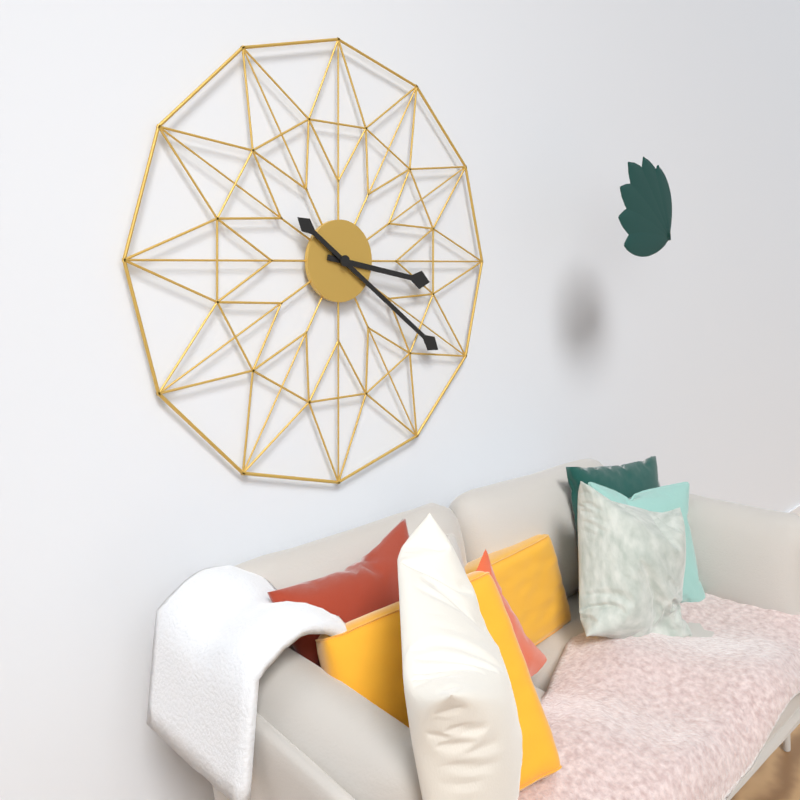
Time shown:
{"hour": 3, "minute": 21}
